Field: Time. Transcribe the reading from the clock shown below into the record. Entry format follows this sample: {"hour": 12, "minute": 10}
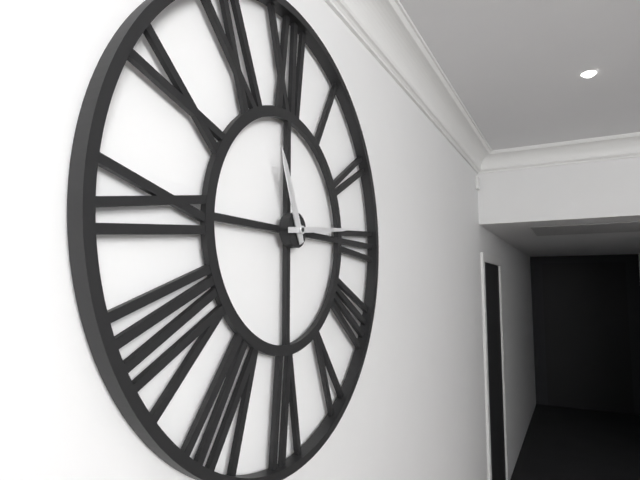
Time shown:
{"hour": 11, "minute": 14}
